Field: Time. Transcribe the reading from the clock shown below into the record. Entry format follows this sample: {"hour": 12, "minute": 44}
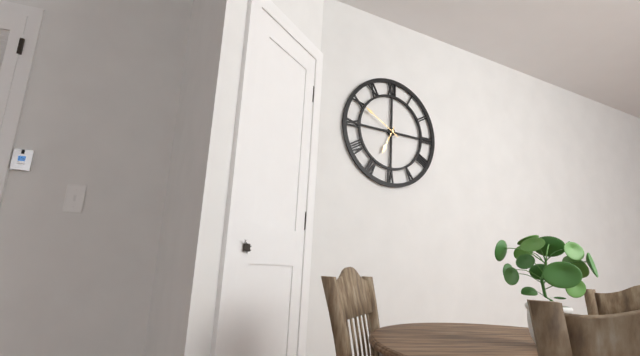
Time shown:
{"hour": 6, "minute": 50}
